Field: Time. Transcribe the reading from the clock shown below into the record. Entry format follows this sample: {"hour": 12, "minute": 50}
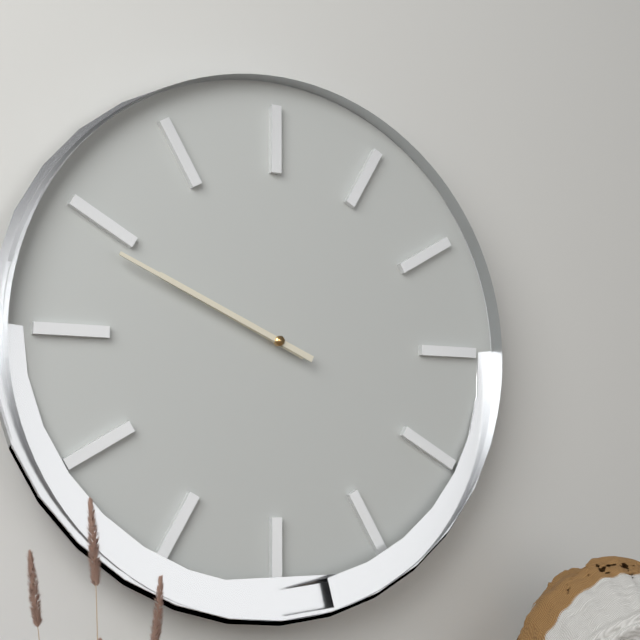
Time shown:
{"hour": 9, "minute": 49}
